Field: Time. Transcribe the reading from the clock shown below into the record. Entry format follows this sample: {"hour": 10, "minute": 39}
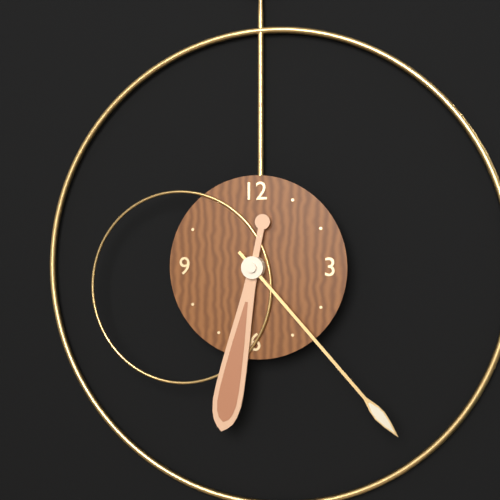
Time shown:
{"hour": 6, "minute": 23}
